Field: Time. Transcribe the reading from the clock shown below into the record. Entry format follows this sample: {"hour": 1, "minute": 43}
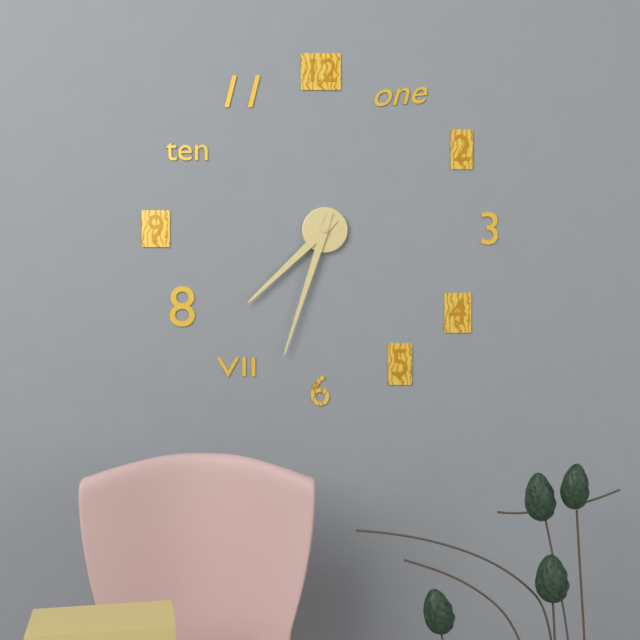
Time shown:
{"hour": 7, "minute": 33}
